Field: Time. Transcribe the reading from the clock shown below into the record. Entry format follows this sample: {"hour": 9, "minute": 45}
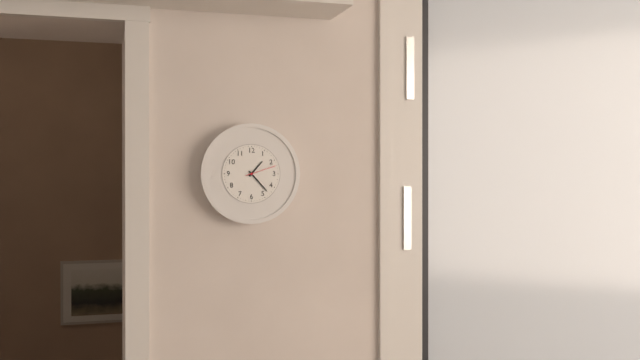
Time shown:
{"hour": 1, "minute": 23}
